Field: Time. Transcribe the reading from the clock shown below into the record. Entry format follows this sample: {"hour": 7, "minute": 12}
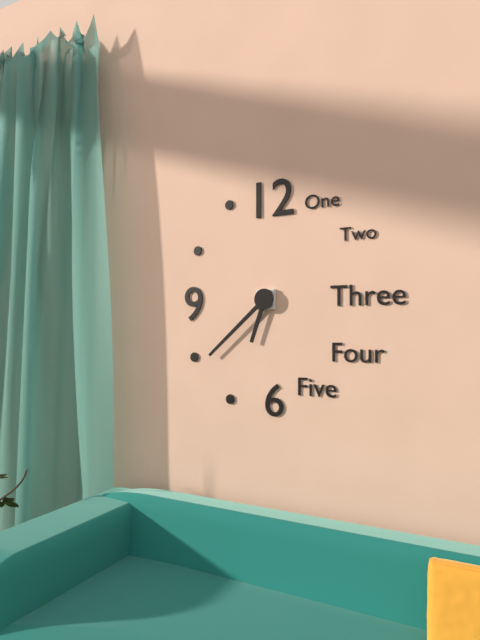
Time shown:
{"hour": 6, "minute": 38}
